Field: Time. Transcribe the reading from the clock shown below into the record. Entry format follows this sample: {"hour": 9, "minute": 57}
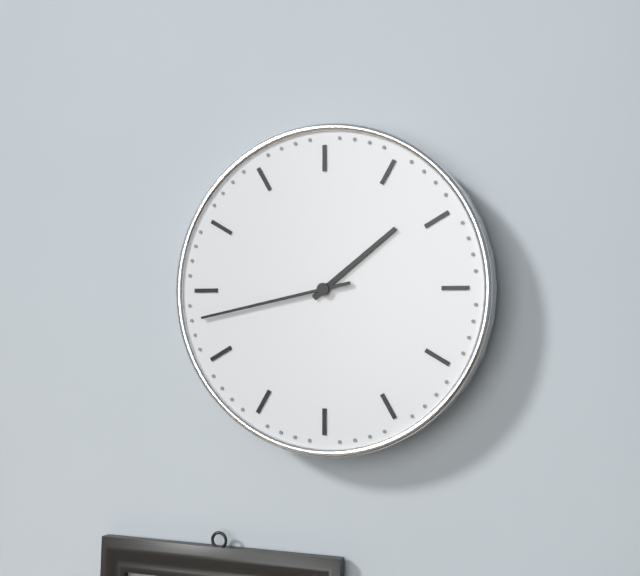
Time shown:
{"hour": 1, "minute": 43}
